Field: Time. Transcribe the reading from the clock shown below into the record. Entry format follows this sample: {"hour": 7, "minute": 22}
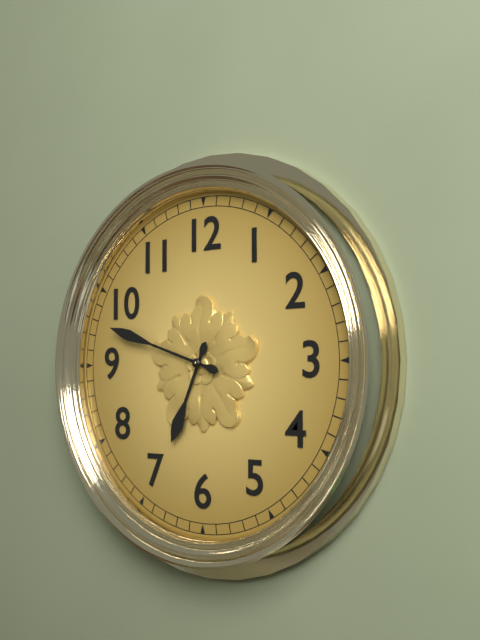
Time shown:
{"hour": 6, "minute": 48}
